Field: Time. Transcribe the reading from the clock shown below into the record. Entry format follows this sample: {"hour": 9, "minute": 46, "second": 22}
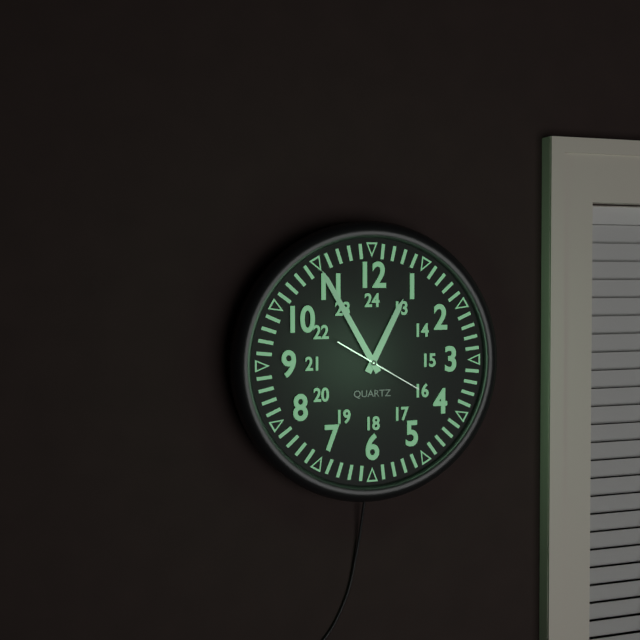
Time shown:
{"hour": 12, "minute": 55, "second": 20}
